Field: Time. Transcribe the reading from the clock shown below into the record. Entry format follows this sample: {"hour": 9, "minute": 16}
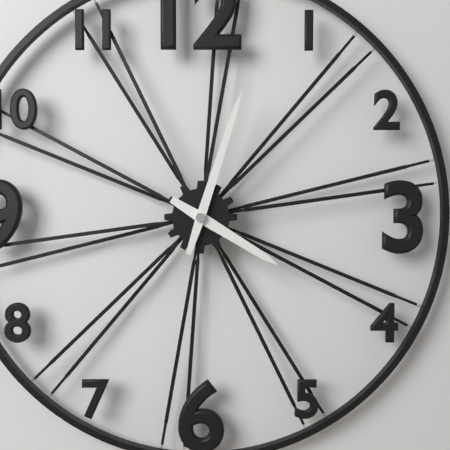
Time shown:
{"hour": 4, "minute": 3}
